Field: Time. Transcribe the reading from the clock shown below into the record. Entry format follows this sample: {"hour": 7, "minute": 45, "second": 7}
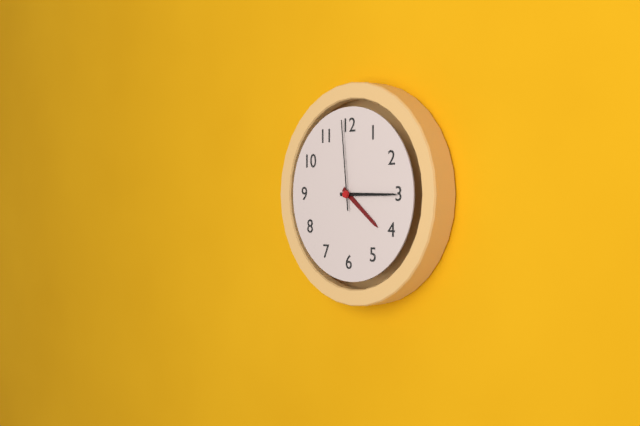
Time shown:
{"hour": 4, "minute": 15, "second": 59}
